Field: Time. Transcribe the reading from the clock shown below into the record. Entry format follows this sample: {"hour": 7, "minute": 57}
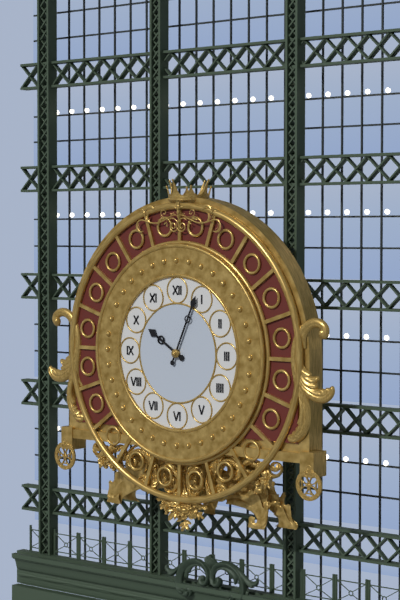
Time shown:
{"hour": 10, "minute": 4}
